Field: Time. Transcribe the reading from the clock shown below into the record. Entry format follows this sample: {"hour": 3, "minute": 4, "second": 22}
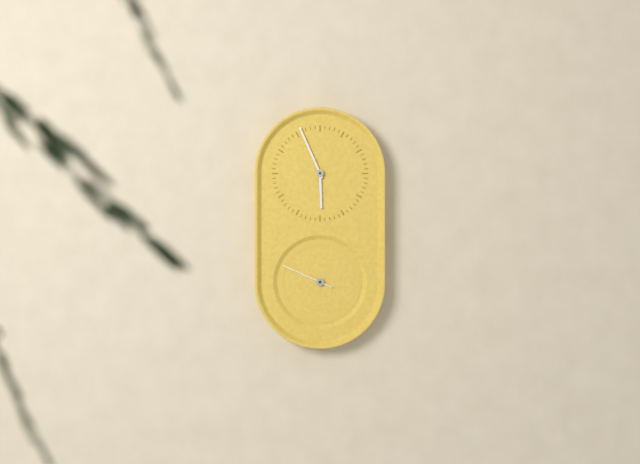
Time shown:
{"hour": 5, "minute": 56, "second": 49}
